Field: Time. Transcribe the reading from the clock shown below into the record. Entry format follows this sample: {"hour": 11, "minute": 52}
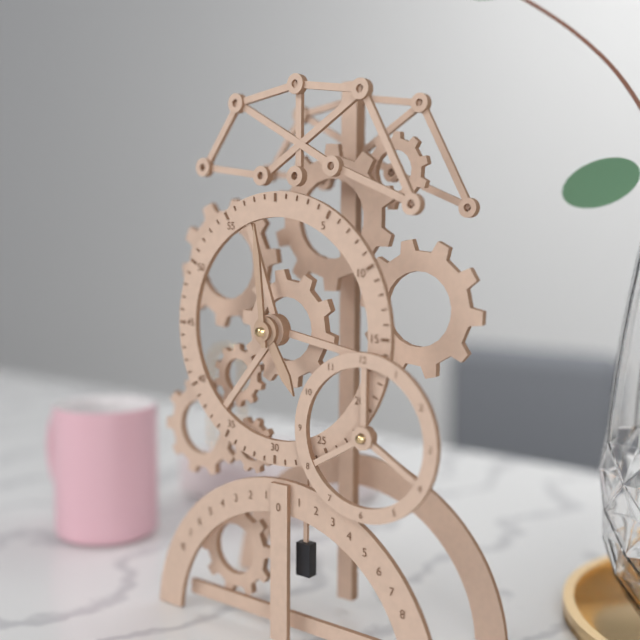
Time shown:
{"hour": 4, "minute": 59}
